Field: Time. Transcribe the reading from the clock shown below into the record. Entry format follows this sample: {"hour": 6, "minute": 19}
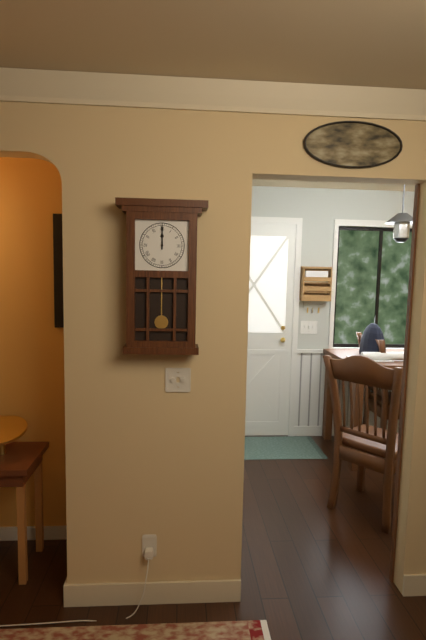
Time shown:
{"hour": 12, "minute": 0}
